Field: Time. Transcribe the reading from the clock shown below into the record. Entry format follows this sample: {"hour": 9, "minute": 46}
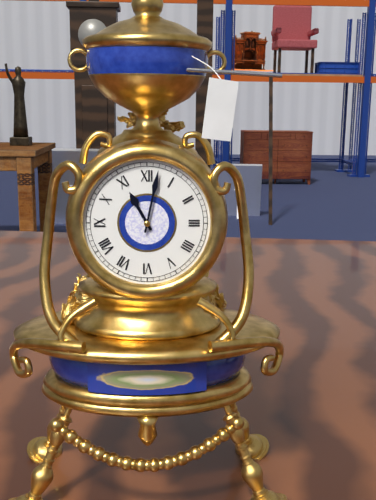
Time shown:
{"hour": 11, "minute": 2}
